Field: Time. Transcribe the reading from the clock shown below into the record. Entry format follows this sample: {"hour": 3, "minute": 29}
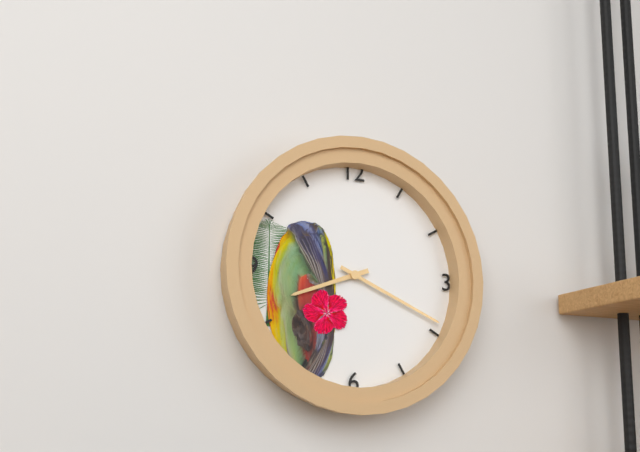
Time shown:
{"hour": 8, "minute": 19}
